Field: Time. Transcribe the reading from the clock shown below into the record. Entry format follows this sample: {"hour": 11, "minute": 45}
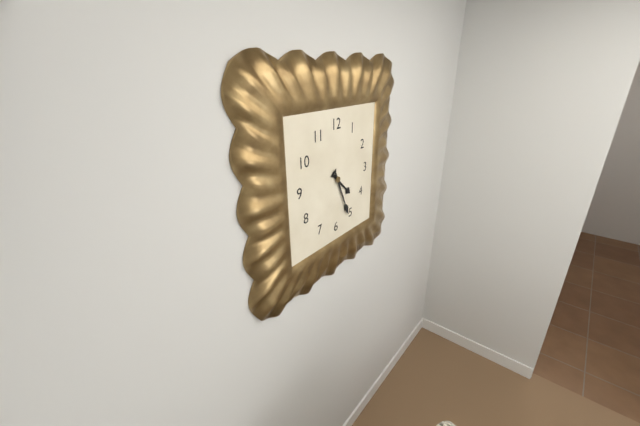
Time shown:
{"hour": 4, "minute": 26}
